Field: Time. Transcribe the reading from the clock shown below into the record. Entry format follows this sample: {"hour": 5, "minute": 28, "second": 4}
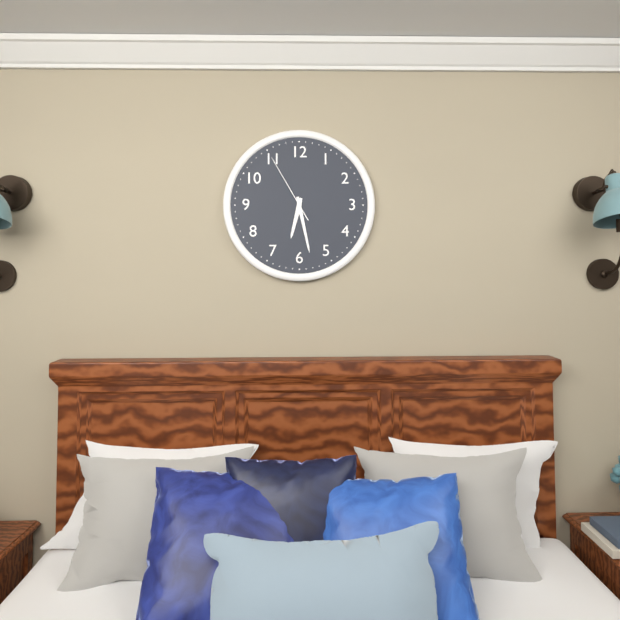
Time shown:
{"hour": 6, "minute": 28, "second": 55}
